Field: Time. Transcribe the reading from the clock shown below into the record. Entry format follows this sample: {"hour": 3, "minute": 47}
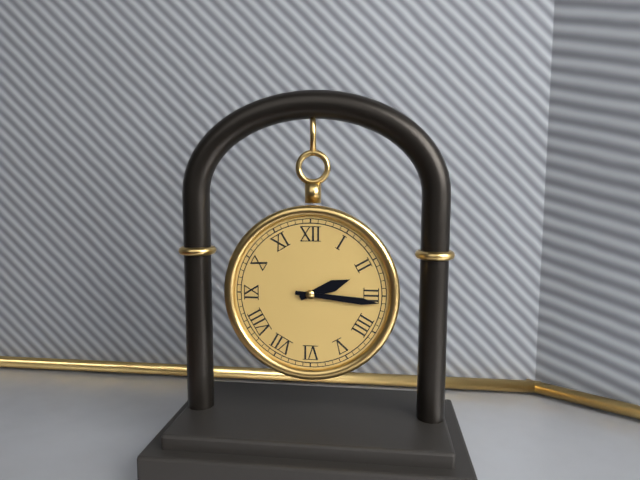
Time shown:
{"hour": 2, "minute": 16}
